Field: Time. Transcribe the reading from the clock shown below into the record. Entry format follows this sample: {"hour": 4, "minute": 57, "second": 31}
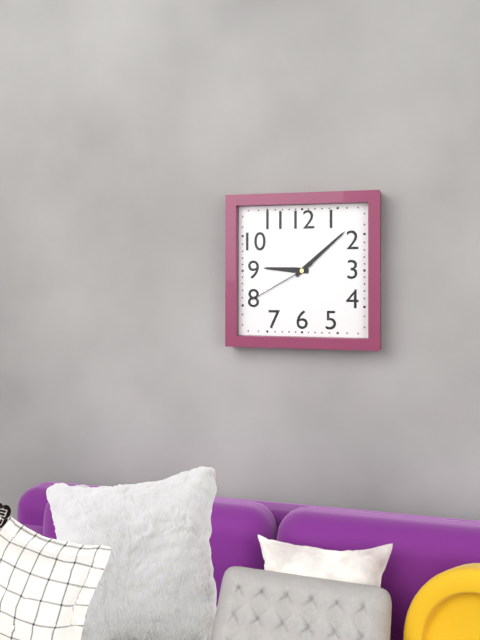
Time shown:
{"hour": 9, "minute": 8, "second": 40}
